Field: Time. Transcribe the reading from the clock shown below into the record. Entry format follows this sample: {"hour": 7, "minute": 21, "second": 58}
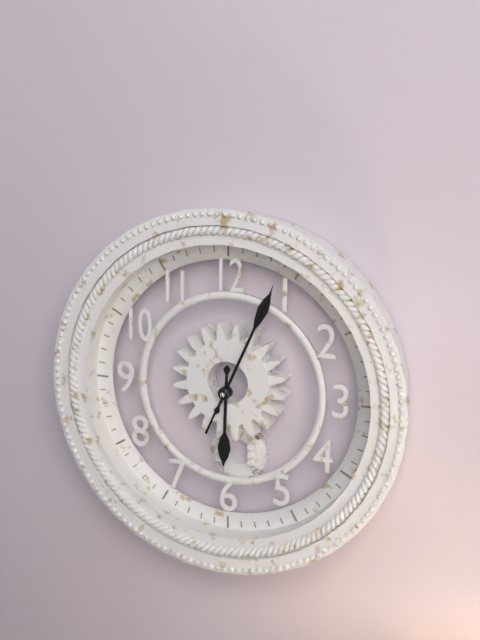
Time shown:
{"hour": 6, "minute": 4, "second": 4}
